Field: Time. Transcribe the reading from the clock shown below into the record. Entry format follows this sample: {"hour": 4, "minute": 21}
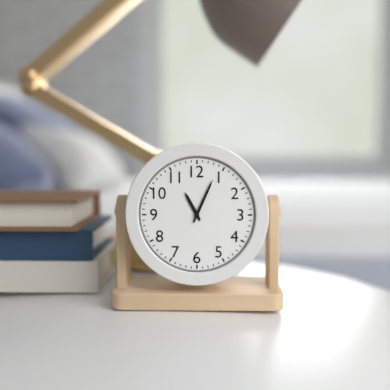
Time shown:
{"hour": 11, "minute": 4}
